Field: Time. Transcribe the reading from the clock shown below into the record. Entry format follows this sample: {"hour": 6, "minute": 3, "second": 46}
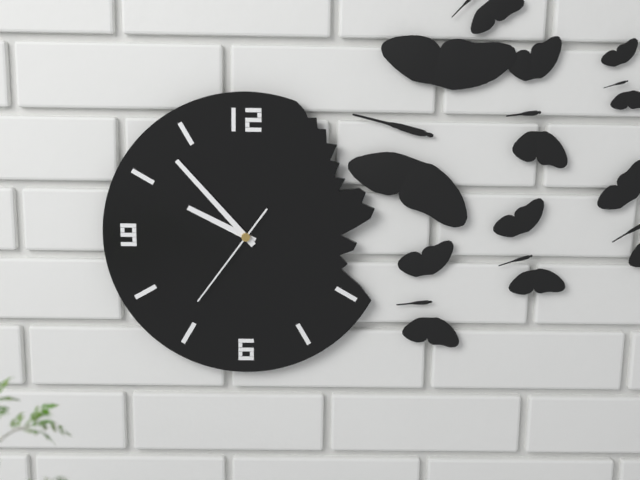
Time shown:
{"hour": 9, "minute": 53, "second": 36}
